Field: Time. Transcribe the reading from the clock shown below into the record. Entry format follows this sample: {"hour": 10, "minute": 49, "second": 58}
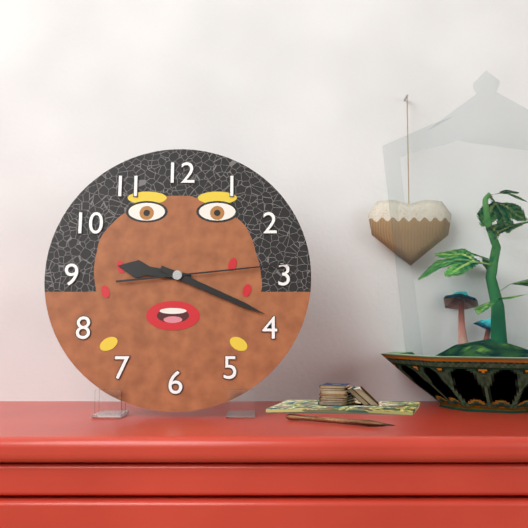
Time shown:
{"hour": 9, "minute": 19, "second": 14}
